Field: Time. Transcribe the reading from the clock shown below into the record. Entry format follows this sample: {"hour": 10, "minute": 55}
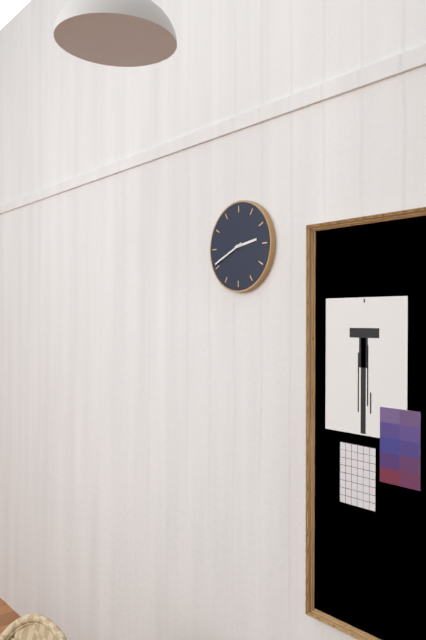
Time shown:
{"hour": 2, "minute": 41}
